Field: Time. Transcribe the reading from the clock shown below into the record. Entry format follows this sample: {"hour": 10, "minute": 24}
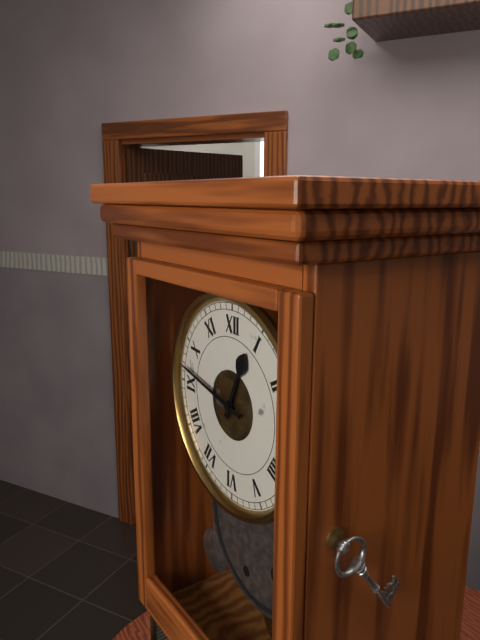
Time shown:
{"hour": 12, "minute": 47}
